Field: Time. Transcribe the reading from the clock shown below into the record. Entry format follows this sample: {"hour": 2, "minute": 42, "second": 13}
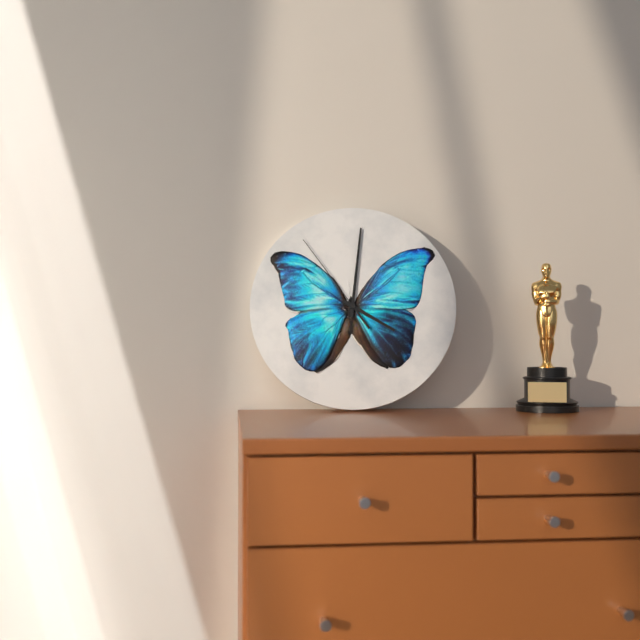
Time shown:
{"hour": 4, "minute": 1, "second": 54}
